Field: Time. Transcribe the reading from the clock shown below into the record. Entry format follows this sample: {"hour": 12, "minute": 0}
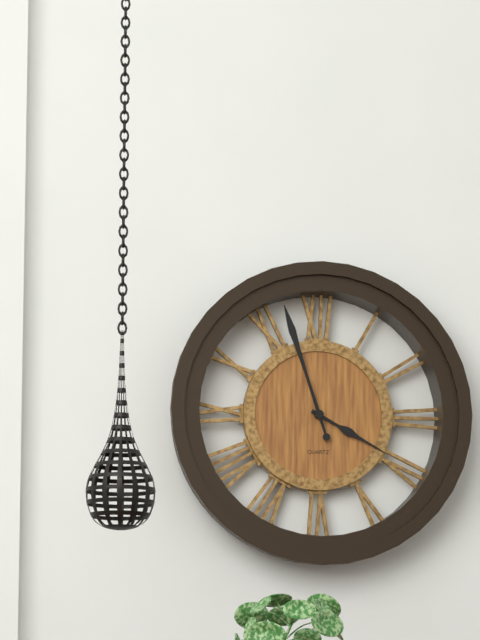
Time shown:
{"hour": 3, "minute": 57}
